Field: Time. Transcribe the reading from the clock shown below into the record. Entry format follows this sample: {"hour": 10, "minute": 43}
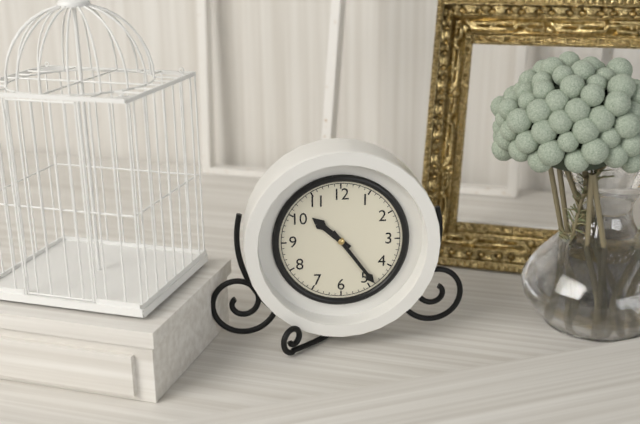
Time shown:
{"hour": 10, "minute": 24}
